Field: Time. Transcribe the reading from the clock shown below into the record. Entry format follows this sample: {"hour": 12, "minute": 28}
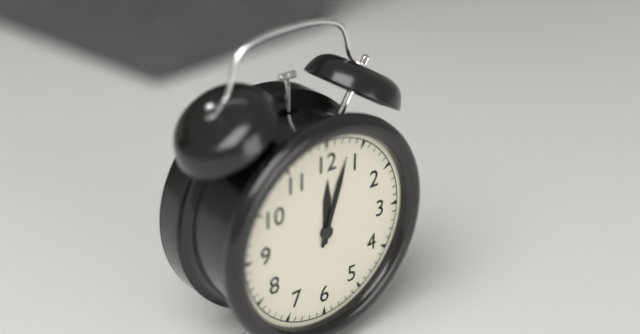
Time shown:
{"hour": 12, "minute": 3}
